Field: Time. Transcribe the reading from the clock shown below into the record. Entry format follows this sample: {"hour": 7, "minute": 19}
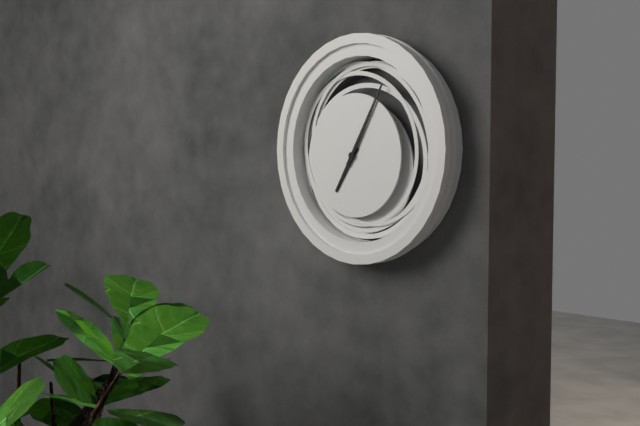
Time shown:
{"hour": 7, "minute": 5}
